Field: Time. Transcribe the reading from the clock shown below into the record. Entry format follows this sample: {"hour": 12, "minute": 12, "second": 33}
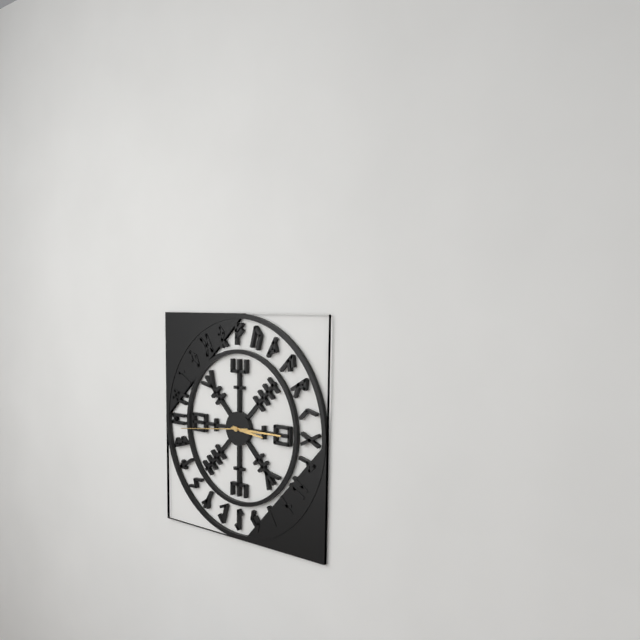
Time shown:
{"hour": 3, "minute": 15, "second": 44}
